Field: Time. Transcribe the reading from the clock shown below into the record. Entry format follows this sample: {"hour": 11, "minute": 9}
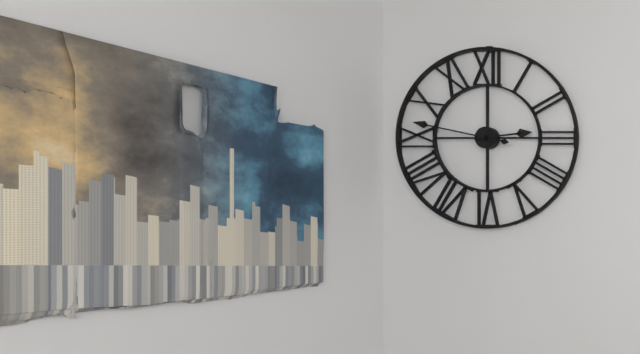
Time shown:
{"hour": 2, "minute": 47}
